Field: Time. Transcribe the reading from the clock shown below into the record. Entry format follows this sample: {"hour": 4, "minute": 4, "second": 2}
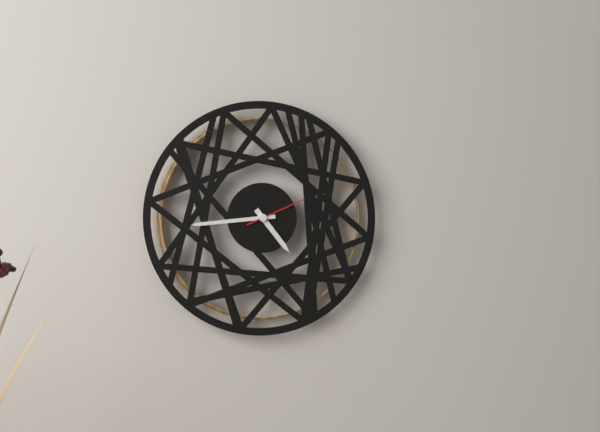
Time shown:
{"hour": 4, "minute": 44, "second": 11}
